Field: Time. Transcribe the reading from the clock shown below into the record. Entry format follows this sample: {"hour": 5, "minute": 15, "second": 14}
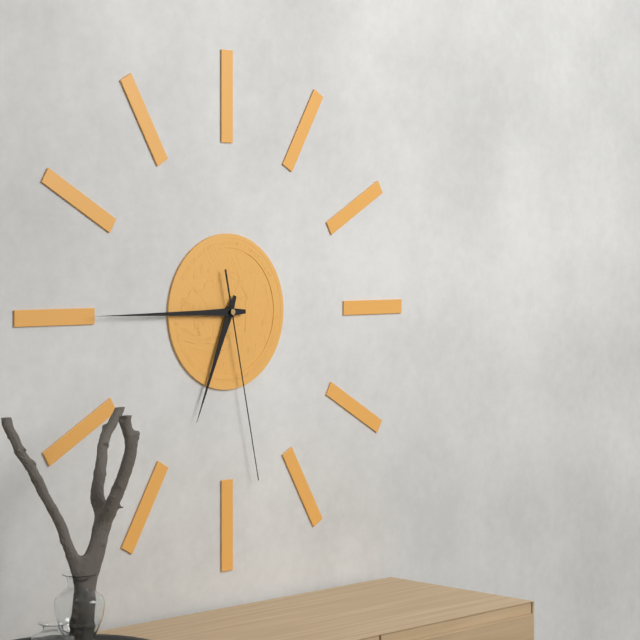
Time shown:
{"hour": 6, "minute": 45, "second": 28}
